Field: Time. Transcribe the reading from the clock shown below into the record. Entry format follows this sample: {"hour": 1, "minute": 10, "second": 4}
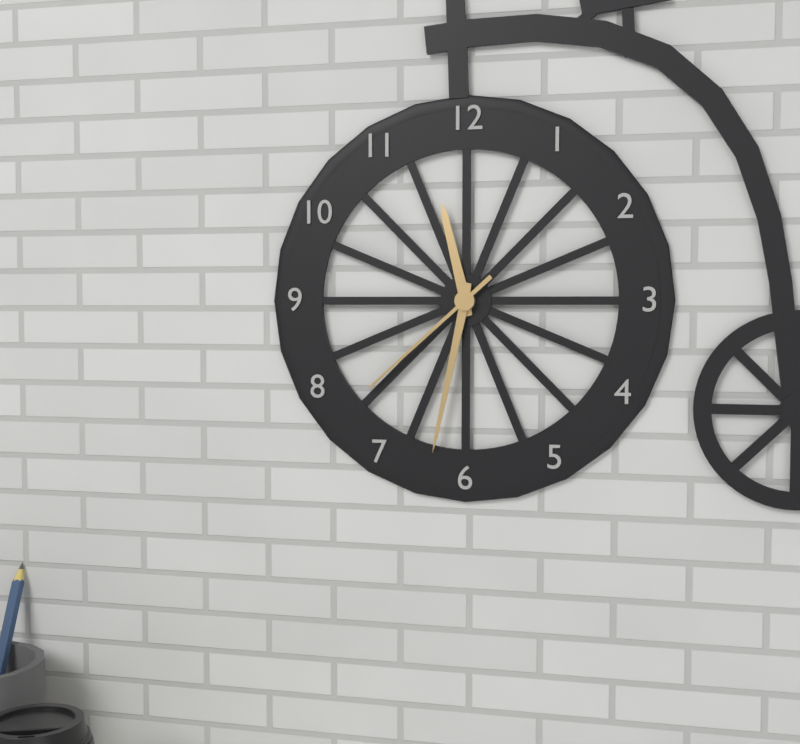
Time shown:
{"hour": 11, "minute": 32, "second": 38}
